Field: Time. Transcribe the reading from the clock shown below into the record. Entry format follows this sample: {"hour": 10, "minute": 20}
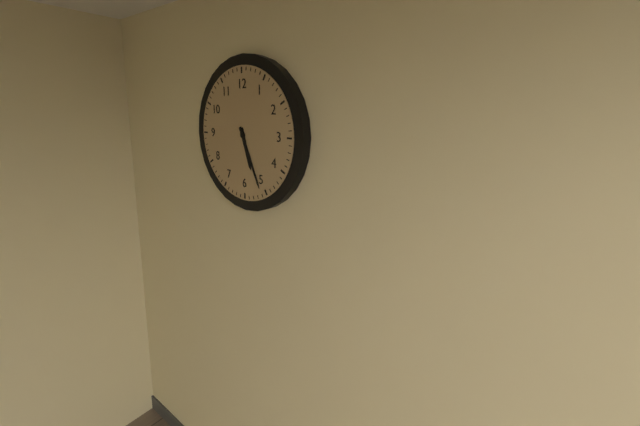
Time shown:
{"hour": 5, "minute": 26}
